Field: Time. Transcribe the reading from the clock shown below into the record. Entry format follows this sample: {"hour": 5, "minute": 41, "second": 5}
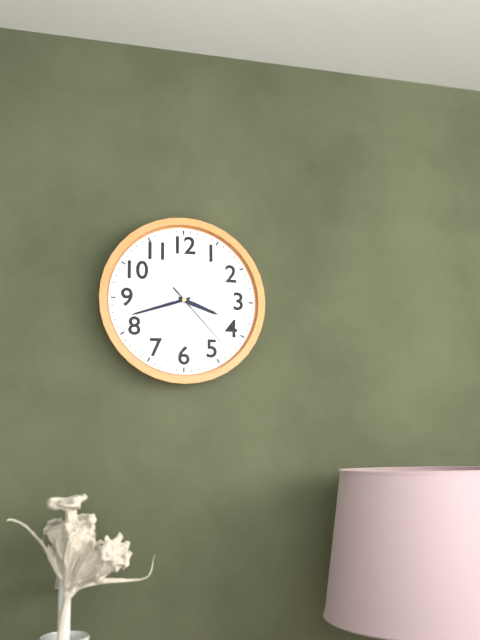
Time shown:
{"hour": 3, "minute": 42, "second": 23}
